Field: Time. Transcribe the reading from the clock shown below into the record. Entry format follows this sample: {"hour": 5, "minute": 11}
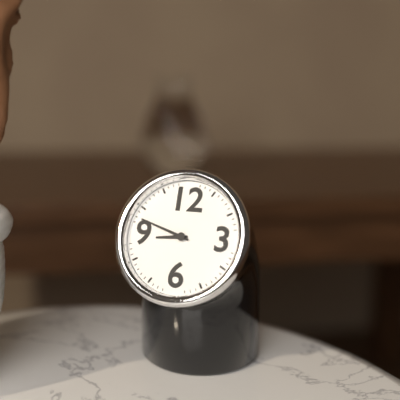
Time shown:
{"hour": 8, "minute": 48}
